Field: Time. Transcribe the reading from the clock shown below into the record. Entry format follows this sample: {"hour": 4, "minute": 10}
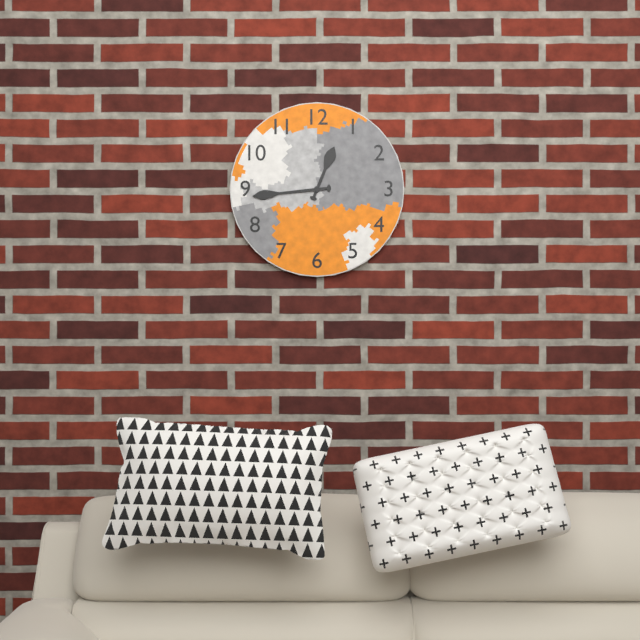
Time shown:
{"hour": 12, "minute": 44}
